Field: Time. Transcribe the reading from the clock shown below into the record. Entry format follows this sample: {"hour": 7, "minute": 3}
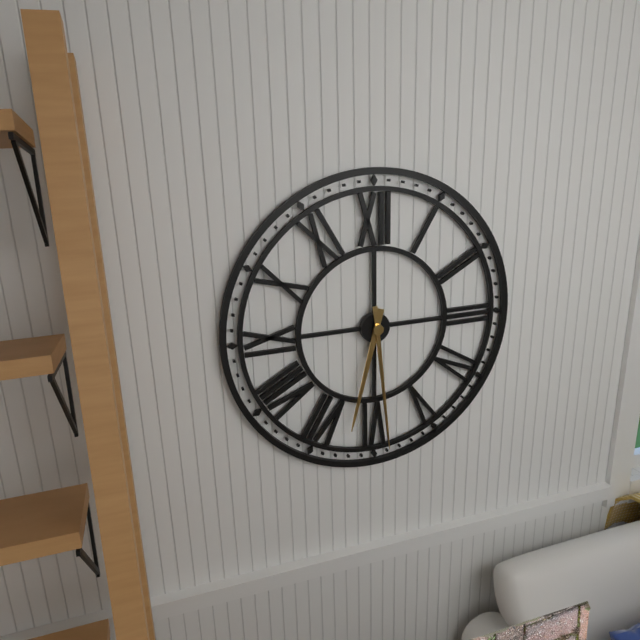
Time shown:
{"hour": 6, "minute": 29}
